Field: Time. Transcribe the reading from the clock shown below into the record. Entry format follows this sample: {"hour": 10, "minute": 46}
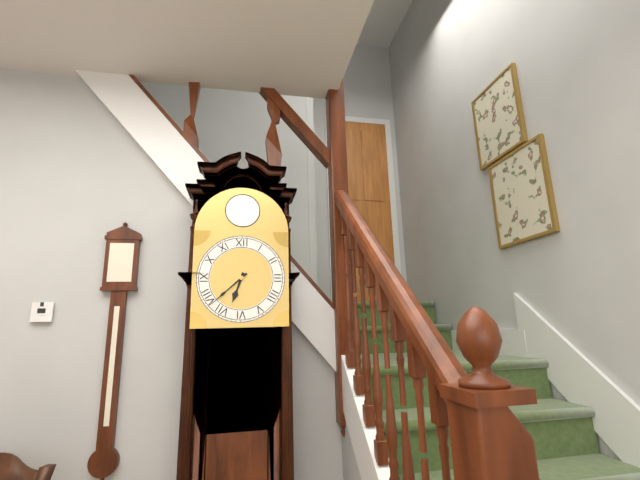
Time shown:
{"hour": 6, "minute": 38}
